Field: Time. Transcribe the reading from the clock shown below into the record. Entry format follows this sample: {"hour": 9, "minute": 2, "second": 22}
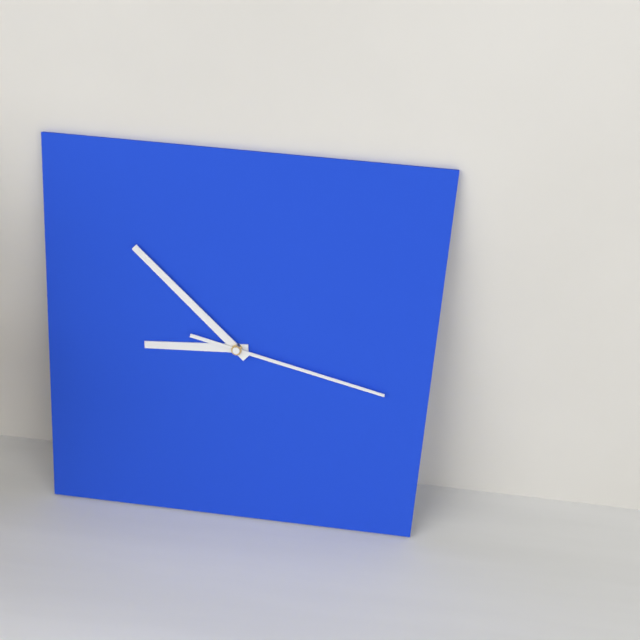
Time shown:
{"hour": 8, "minute": 52, "second": 17}
